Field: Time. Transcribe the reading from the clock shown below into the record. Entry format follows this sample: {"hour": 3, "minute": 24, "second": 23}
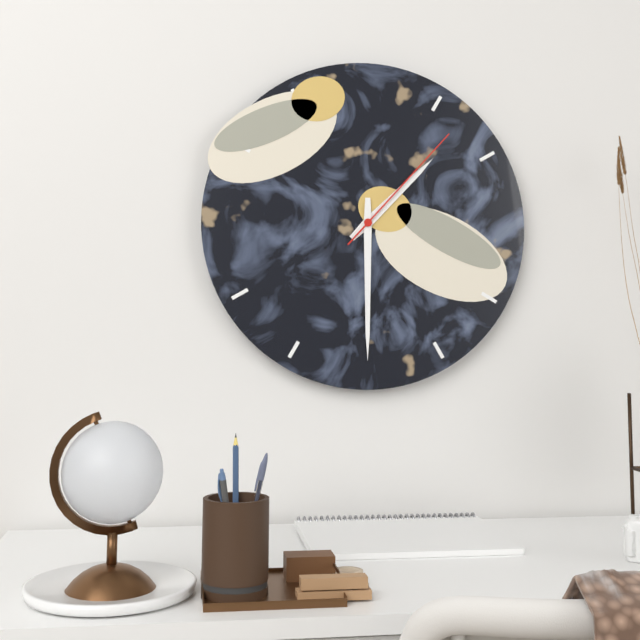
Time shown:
{"hour": 1, "minute": 30, "second": 7}
